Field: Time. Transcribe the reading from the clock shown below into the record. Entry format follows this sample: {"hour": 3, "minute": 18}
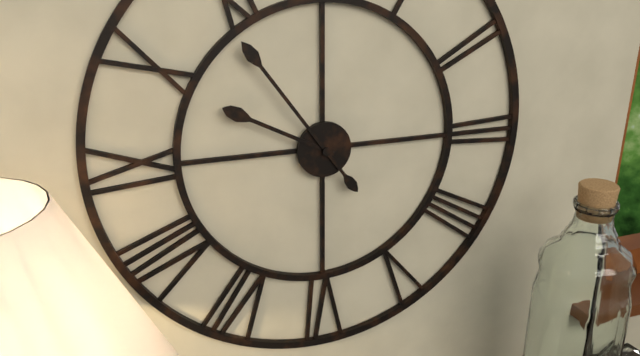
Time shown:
{"hour": 9, "minute": 54}
